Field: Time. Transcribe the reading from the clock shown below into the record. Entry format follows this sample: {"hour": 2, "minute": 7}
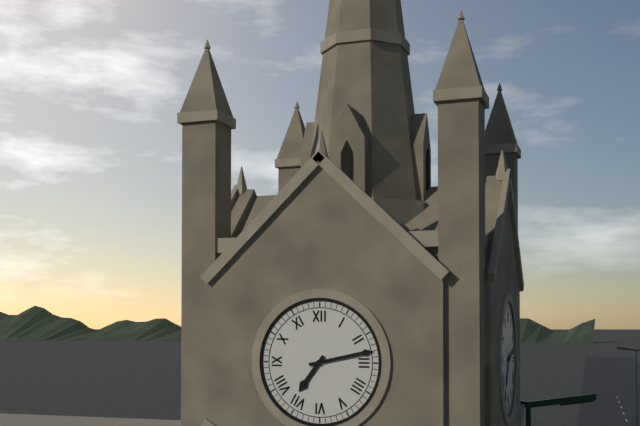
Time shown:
{"hour": 7, "minute": 13}
